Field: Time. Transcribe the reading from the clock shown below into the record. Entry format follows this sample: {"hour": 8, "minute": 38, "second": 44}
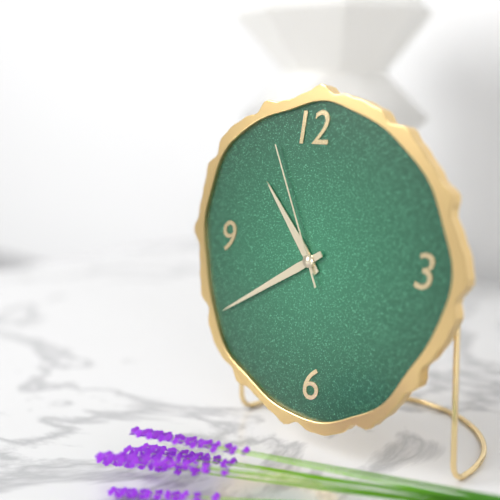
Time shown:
{"hour": 10, "minute": 40, "second": 56}
